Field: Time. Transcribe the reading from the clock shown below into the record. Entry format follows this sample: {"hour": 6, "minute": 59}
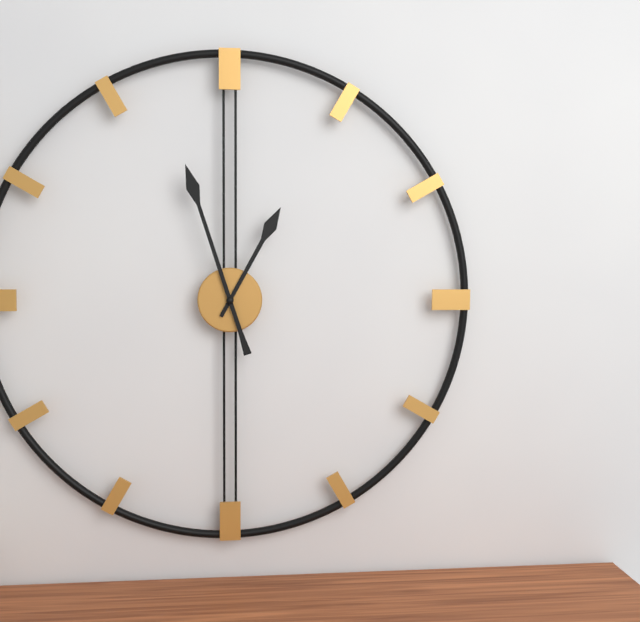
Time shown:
{"hour": 12, "minute": 57}
